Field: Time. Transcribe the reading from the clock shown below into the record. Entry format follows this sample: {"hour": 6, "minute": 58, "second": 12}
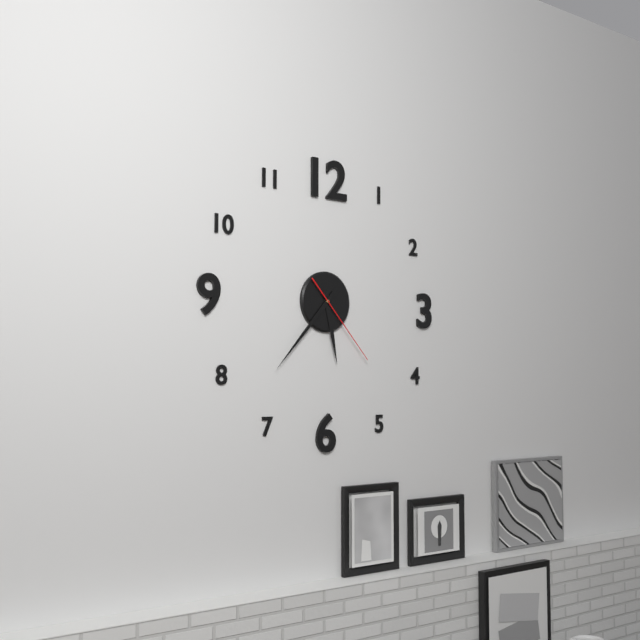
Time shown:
{"hour": 5, "minute": 37, "second": 23}
